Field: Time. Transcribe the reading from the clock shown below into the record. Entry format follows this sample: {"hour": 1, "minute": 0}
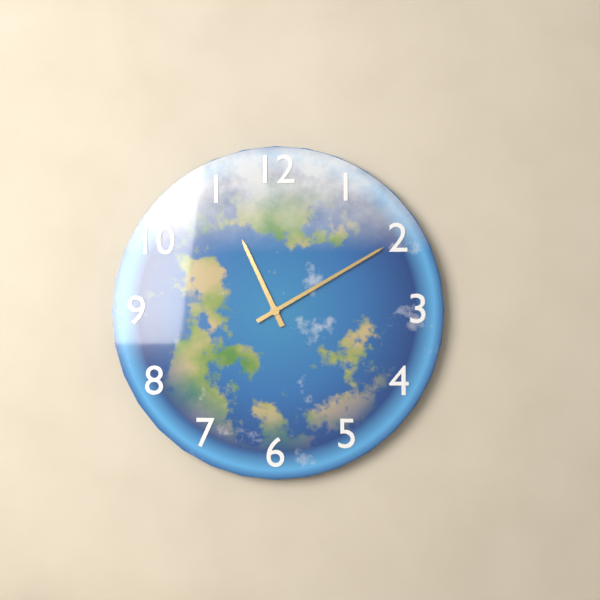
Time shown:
{"hour": 11, "minute": 10}
